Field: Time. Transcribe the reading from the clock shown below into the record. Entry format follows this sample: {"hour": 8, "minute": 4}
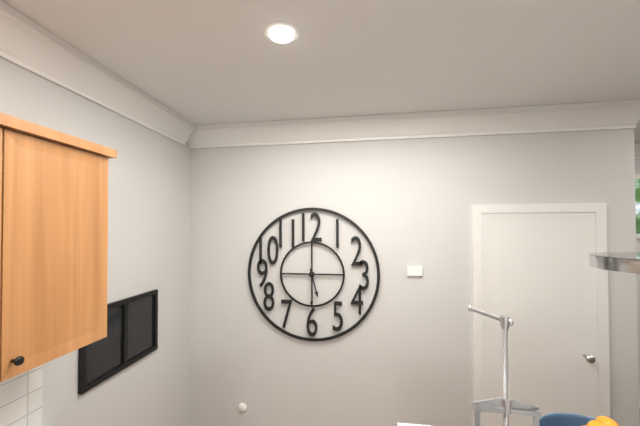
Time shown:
{"hour": 5, "minute": 30}
